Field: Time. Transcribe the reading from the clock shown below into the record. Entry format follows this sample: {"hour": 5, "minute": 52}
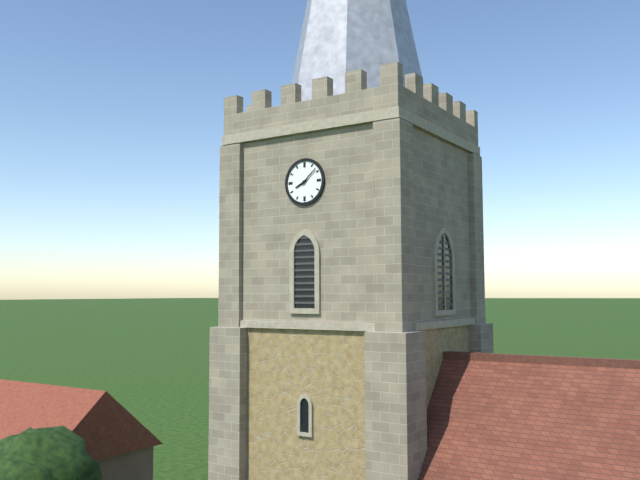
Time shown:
{"hour": 8, "minute": 8}
